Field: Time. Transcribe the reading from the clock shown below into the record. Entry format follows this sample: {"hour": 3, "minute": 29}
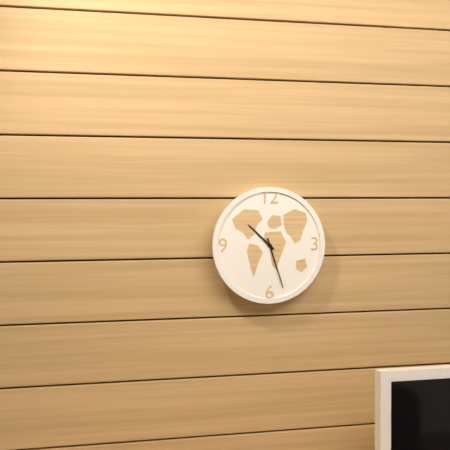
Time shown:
{"hour": 10, "minute": 27}
